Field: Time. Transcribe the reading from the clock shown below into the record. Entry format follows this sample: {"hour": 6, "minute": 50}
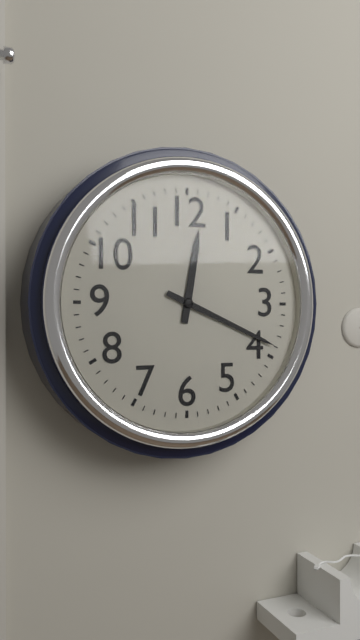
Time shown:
{"hour": 12, "minute": 19}
